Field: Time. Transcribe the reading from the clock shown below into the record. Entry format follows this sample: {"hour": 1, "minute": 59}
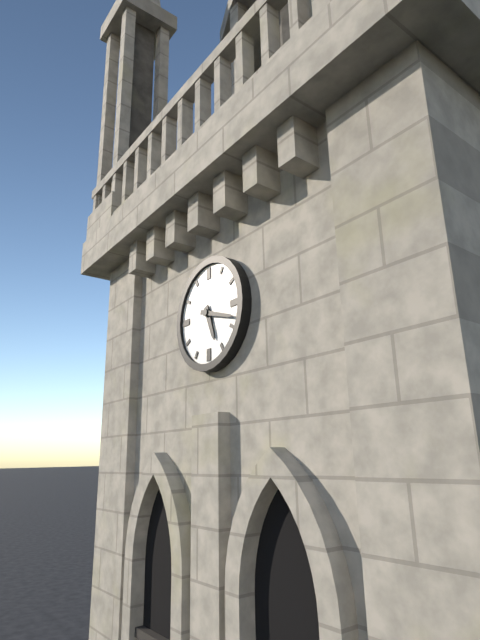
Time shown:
{"hour": 5, "minute": 18}
